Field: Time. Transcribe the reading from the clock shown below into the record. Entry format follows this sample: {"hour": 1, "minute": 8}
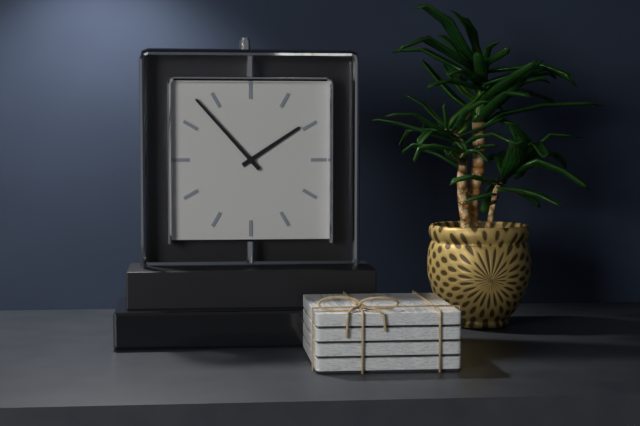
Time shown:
{"hour": 1, "minute": 53}
